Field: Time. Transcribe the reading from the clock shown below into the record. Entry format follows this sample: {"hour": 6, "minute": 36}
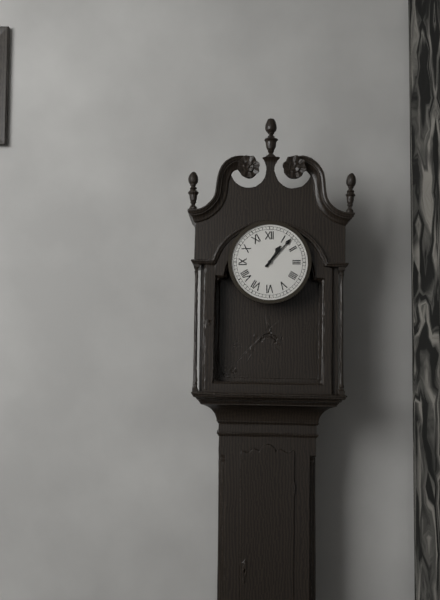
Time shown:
{"hour": 1, "minute": 7}
